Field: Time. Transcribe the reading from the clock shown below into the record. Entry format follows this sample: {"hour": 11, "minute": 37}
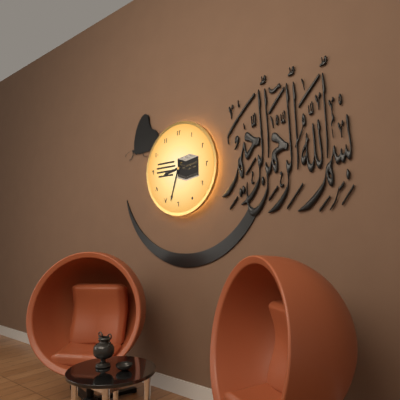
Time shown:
{"hour": 8, "minute": 33}
